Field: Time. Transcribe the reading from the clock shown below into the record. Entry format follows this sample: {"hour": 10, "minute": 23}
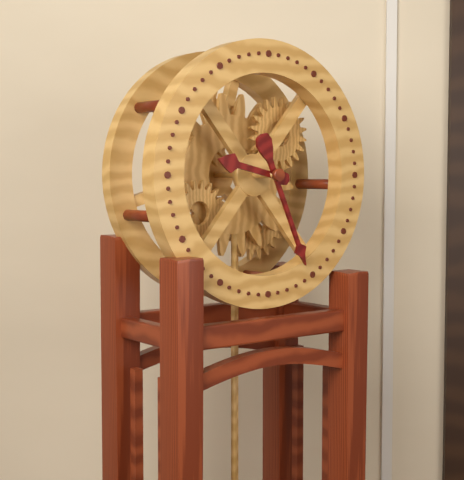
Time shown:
{"hour": 9, "minute": 26}
